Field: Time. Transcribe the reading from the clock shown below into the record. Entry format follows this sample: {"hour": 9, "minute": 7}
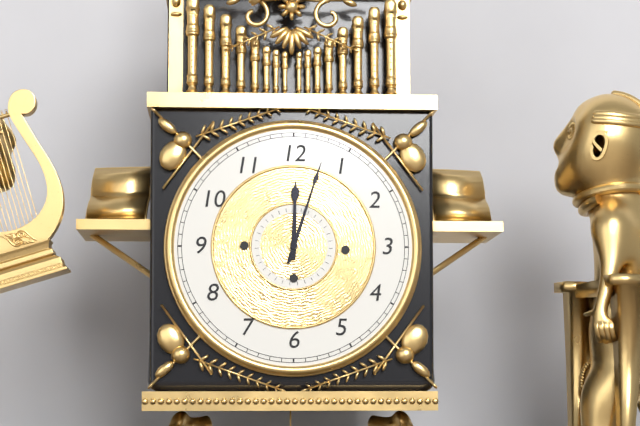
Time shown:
{"hour": 12, "minute": 3}
